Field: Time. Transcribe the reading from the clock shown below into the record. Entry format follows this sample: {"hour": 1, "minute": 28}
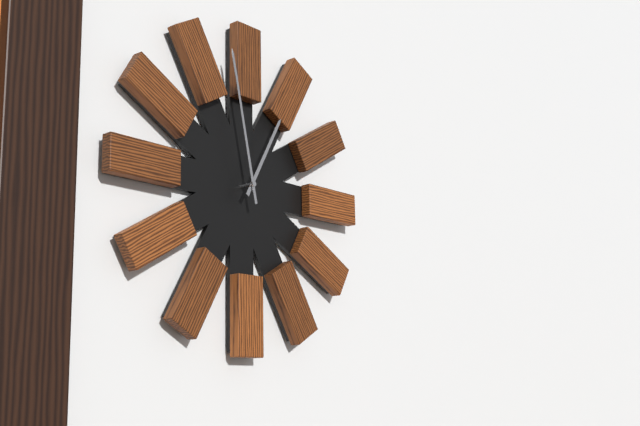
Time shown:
{"hour": 12, "minute": 58}
